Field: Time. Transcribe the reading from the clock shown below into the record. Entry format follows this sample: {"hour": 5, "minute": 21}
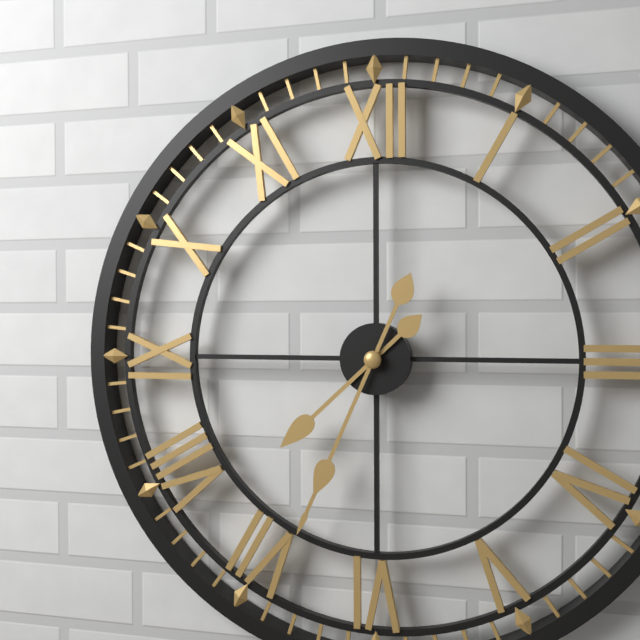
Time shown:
{"hour": 7, "minute": 34}
